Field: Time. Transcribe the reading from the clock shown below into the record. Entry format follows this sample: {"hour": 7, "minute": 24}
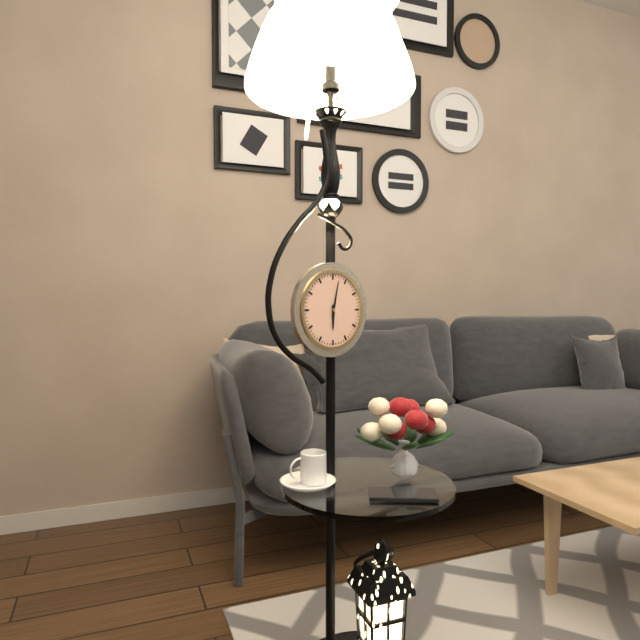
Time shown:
{"hour": 6, "minute": 2}
